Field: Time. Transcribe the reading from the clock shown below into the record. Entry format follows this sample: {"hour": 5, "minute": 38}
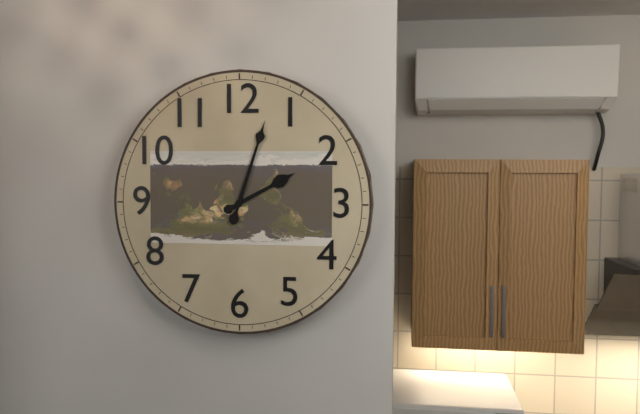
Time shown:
{"hour": 2, "minute": 3}
